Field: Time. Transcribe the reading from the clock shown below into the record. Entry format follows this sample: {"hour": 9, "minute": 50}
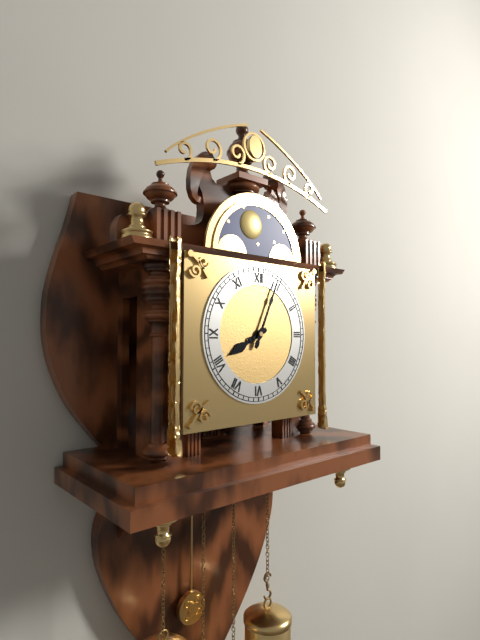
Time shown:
{"hour": 8, "minute": 4}
